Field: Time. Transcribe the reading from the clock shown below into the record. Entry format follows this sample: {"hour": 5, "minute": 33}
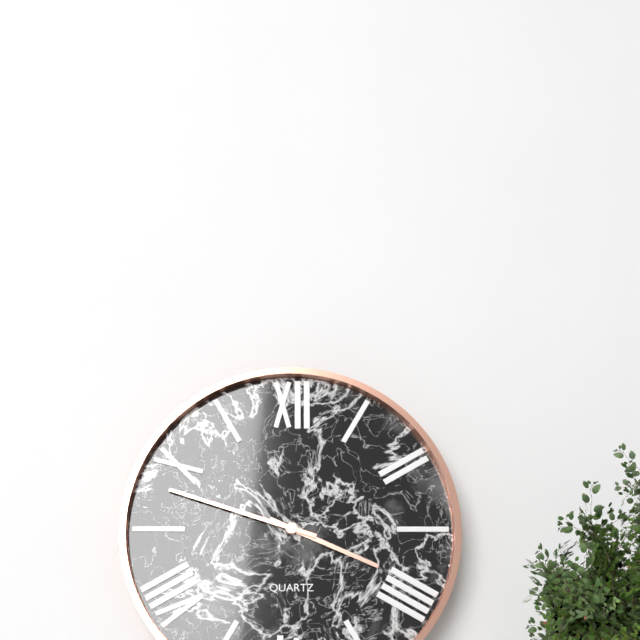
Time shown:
{"hour": 3, "minute": 48}
